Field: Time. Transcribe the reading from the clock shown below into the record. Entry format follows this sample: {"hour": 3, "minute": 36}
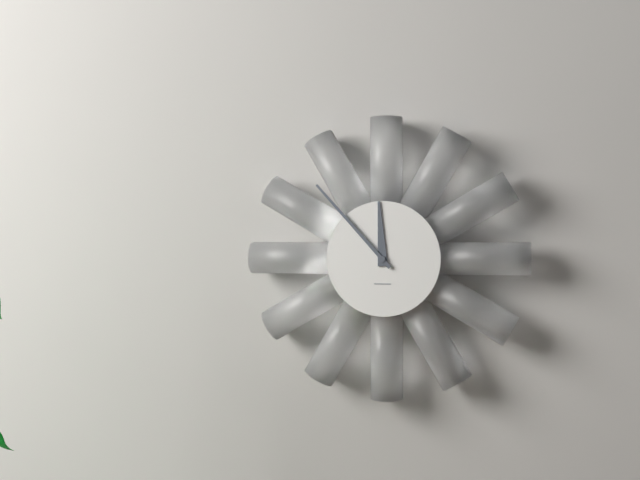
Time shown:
{"hour": 11, "minute": 53}
